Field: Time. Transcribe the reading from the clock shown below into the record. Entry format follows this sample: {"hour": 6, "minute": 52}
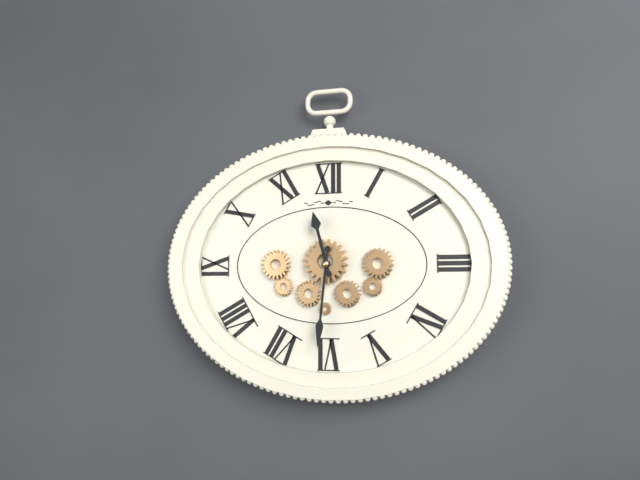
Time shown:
{"hour": 11, "minute": 31}
